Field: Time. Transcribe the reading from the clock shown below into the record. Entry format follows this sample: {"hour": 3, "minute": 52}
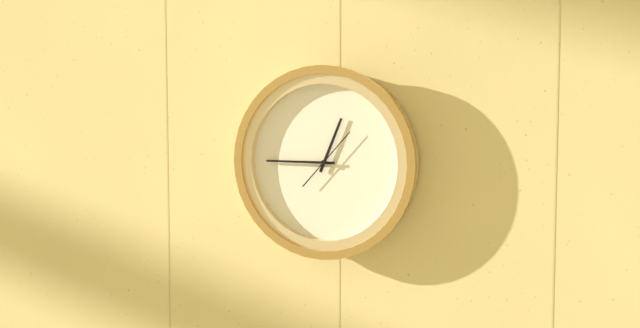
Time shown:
{"hour": 12, "minute": 45}
